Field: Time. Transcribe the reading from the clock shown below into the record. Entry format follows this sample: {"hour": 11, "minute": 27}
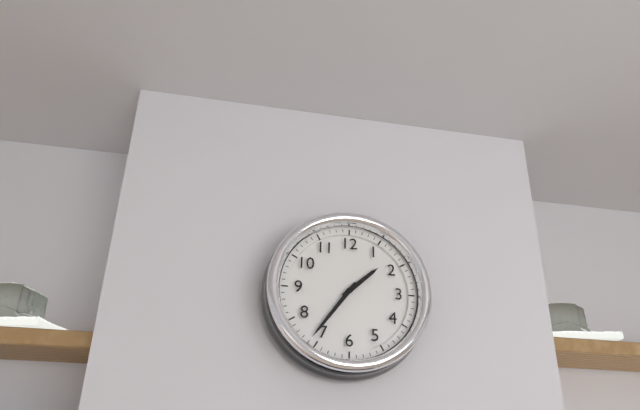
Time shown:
{"hour": 1, "minute": 36}
